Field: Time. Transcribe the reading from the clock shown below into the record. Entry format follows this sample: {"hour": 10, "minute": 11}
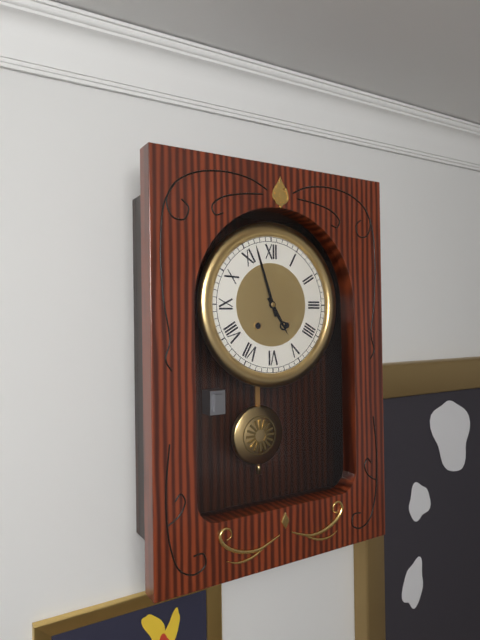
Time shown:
{"hour": 4, "minute": 57}
